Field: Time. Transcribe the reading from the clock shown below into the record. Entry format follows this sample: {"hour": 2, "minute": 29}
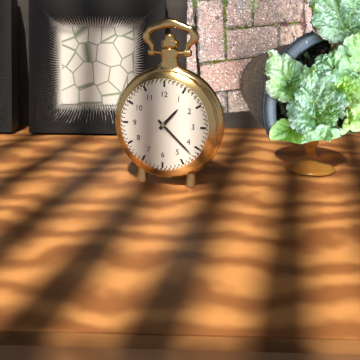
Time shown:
{"hour": 1, "minute": 22}
